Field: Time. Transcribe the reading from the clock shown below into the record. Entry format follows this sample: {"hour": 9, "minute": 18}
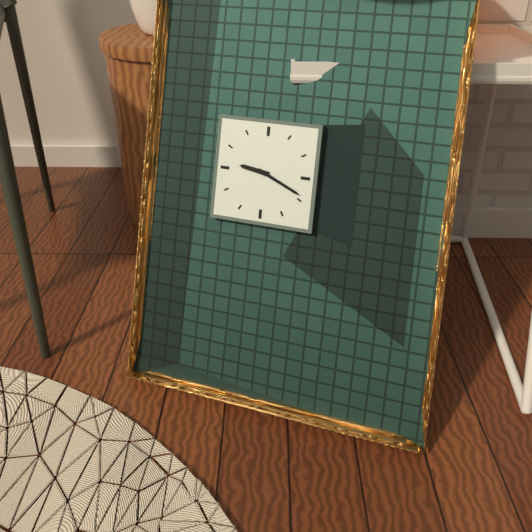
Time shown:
{"hour": 9, "minute": 19}
